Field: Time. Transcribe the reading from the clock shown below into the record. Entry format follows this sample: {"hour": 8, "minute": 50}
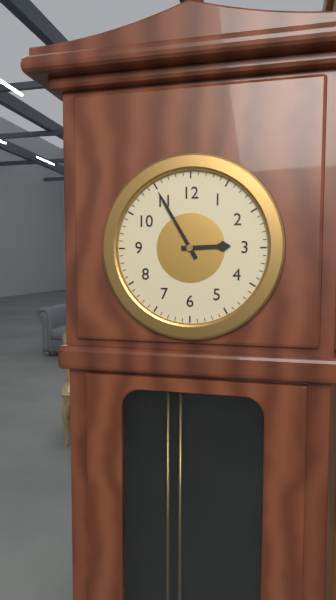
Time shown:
{"hour": 2, "minute": 55}
